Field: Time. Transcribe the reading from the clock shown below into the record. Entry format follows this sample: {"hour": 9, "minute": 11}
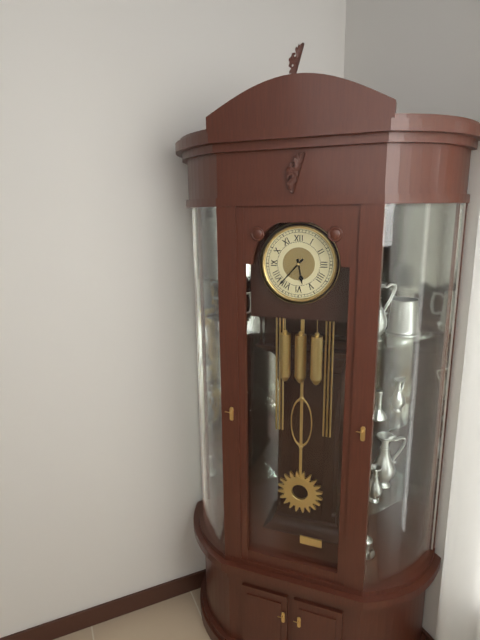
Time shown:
{"hour": 5, "minute": 37}
